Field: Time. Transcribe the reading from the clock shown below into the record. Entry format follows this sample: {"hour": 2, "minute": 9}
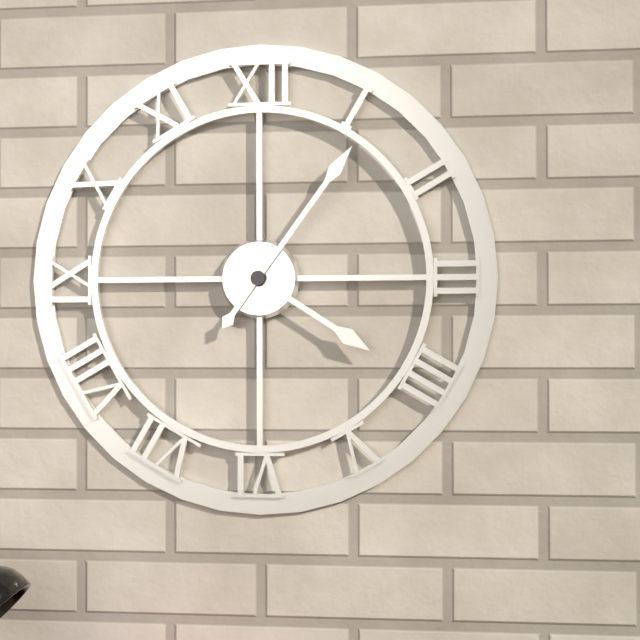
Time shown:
{"hour": 4, "minute": 6}
